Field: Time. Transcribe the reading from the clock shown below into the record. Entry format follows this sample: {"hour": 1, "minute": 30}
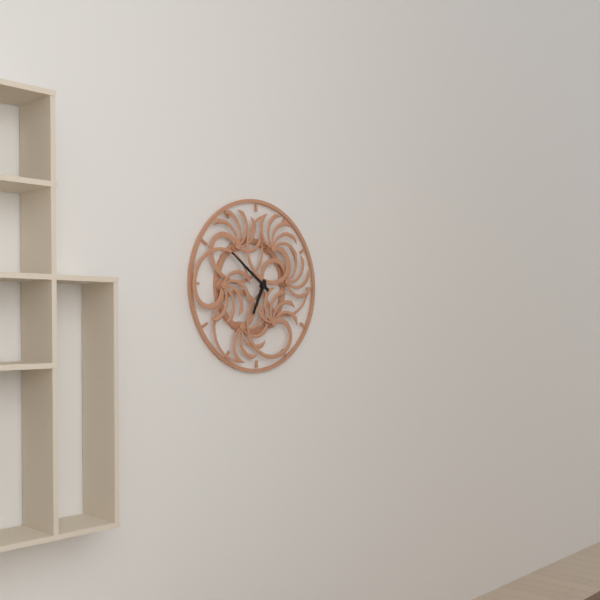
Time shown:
{"hour": 6, "minute": 51}
